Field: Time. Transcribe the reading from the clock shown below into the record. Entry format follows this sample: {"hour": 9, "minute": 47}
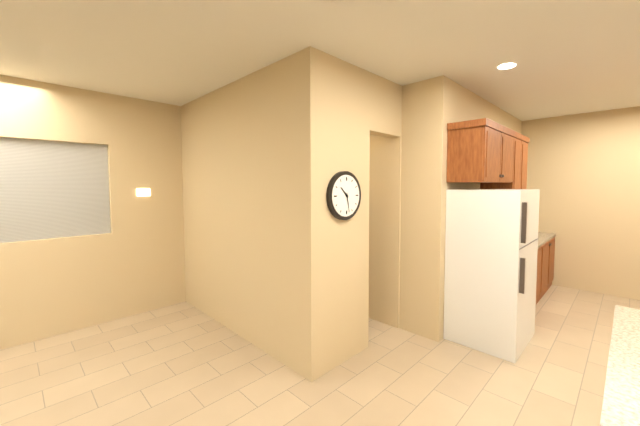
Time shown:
{"hour": 10, "minute": 28}
